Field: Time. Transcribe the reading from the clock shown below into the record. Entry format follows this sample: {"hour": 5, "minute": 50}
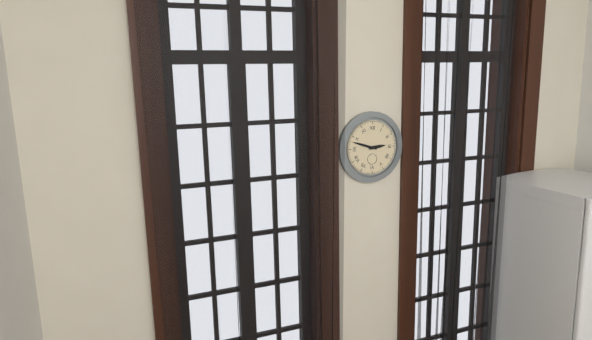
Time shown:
{"hour": 2, "minute": 48}
